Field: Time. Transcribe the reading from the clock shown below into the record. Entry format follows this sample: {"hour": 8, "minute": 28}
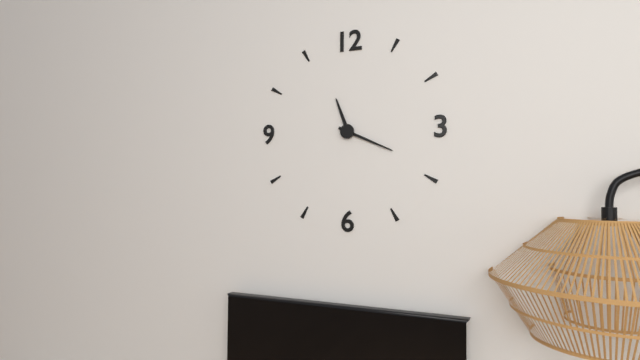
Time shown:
{"hour": 11, "minute": 19}
